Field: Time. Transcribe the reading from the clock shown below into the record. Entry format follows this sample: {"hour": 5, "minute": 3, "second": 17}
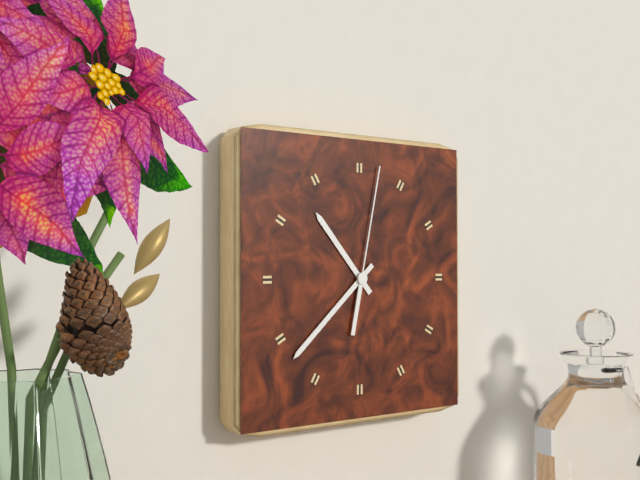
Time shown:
{"hour": 10, "minute": 38, "second": 2}
